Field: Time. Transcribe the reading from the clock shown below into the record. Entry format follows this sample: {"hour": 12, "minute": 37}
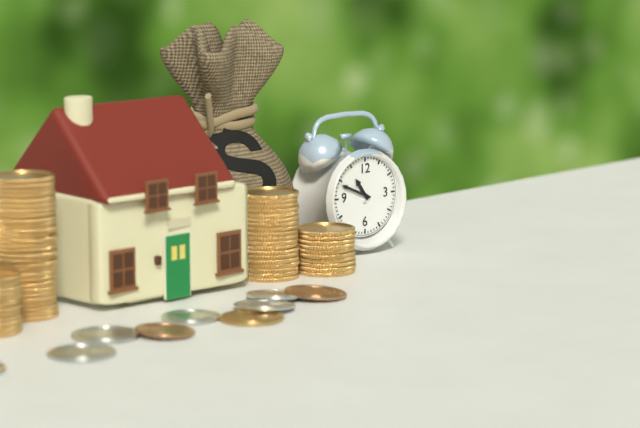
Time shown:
{"hour": 10, "minute": 49}
